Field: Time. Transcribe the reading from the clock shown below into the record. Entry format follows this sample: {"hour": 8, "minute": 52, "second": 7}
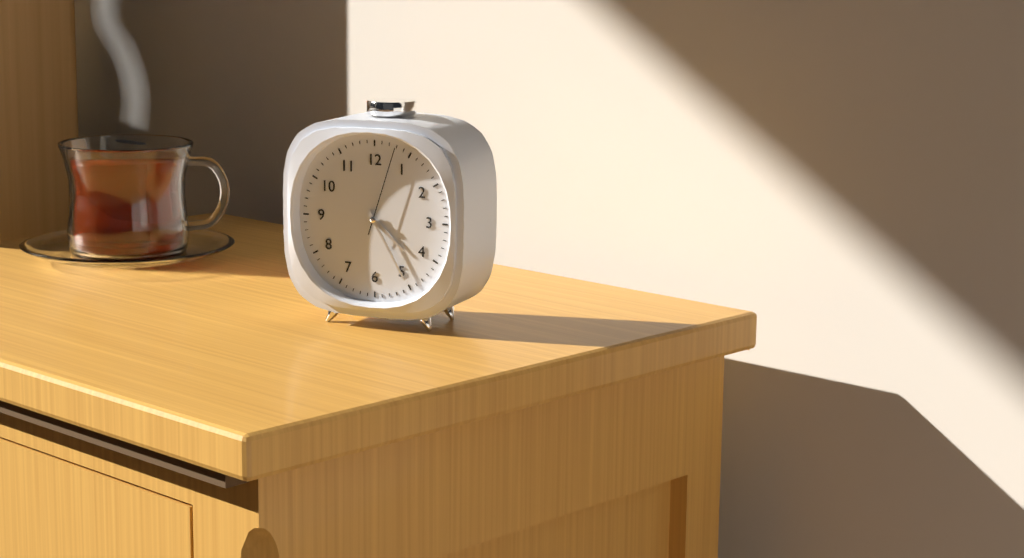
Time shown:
{"hour": 4, "minute": 25, "second": 3}
